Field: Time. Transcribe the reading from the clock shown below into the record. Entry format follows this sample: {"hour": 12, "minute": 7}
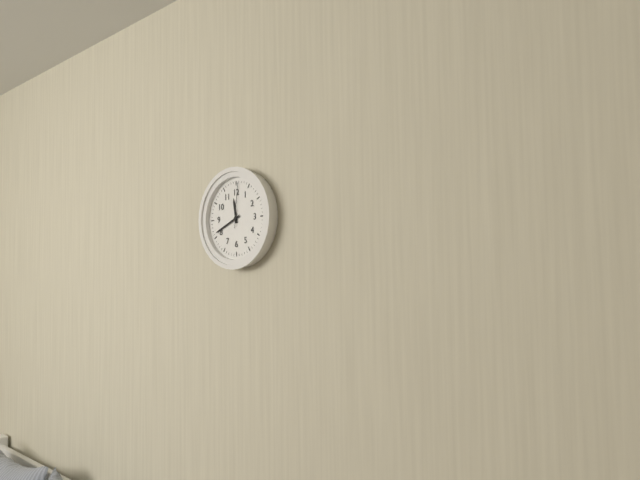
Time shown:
{"hour": 11, "minute": 41}
